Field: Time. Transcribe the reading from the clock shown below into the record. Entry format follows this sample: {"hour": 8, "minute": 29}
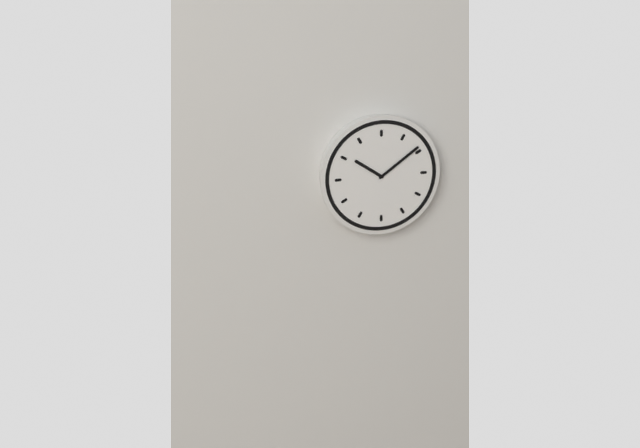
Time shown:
{"hour": 10, "minute": 9}
